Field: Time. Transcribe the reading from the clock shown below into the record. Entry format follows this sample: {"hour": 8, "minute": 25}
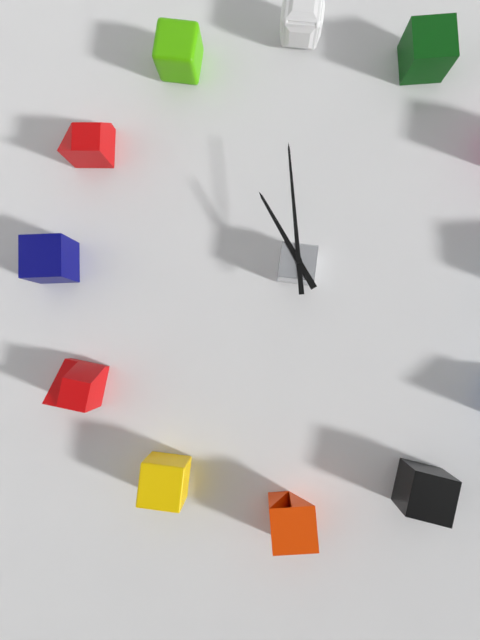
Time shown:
{"hour": 10, "minute": 59}
